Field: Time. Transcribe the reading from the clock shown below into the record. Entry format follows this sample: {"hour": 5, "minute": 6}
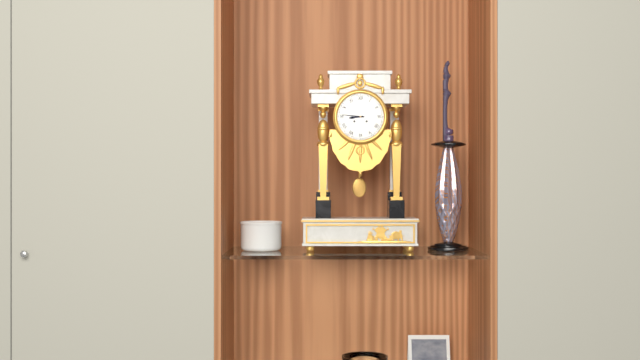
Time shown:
{"hour": 8, "minute": 46}
